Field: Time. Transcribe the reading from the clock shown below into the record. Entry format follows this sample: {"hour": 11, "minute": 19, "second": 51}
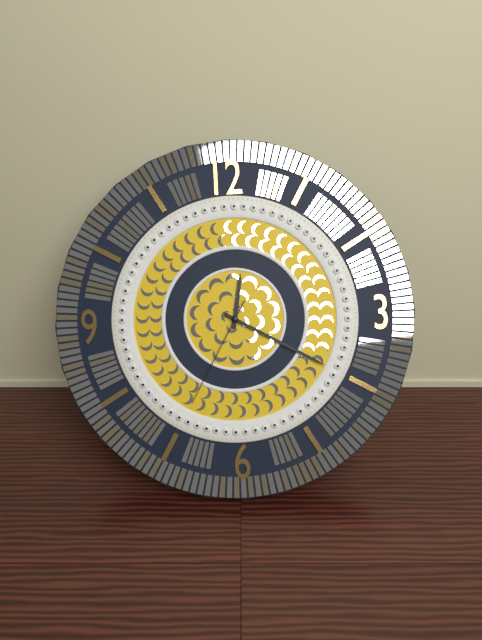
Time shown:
{"hour": 12, "minute": 20, "second": 35}
